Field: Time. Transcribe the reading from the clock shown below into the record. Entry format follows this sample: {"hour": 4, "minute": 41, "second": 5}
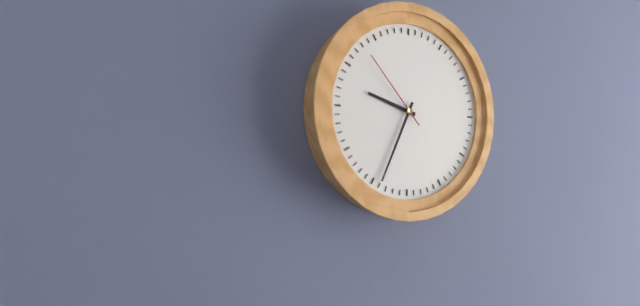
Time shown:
{"hour": 9, "minute": 34, "second": 53}
